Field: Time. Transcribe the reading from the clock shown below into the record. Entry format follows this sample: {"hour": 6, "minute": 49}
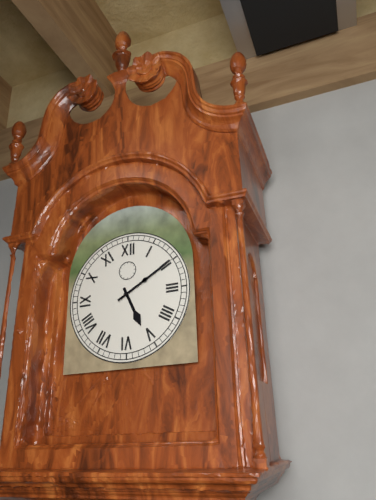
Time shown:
{"hour": 5, "minute": 10}
